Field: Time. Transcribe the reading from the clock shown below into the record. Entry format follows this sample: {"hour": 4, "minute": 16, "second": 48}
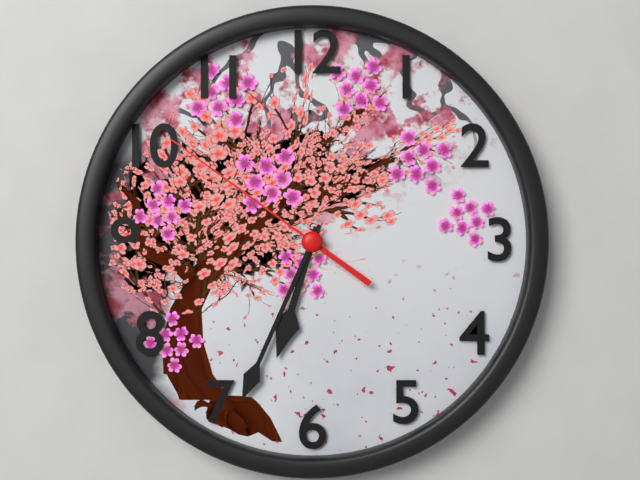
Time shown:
{"hour": 6, "minute": 34, "second": 51}
